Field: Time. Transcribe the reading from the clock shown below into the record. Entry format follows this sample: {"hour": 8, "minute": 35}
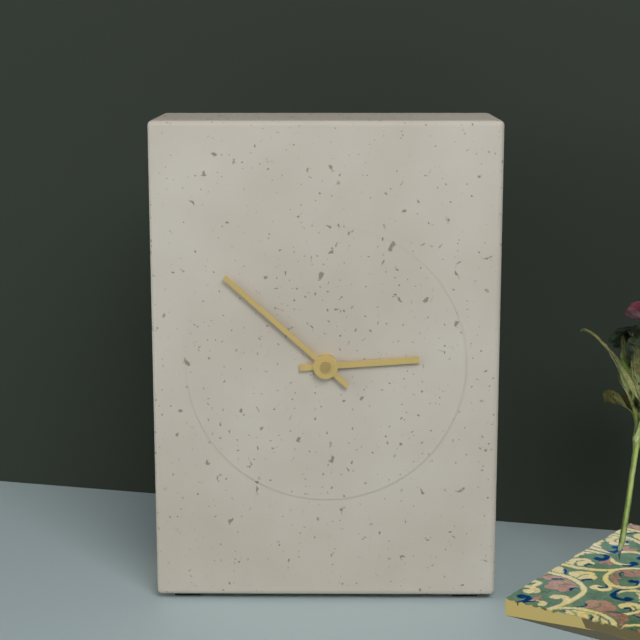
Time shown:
{"hour": 2, "minute": 52}
